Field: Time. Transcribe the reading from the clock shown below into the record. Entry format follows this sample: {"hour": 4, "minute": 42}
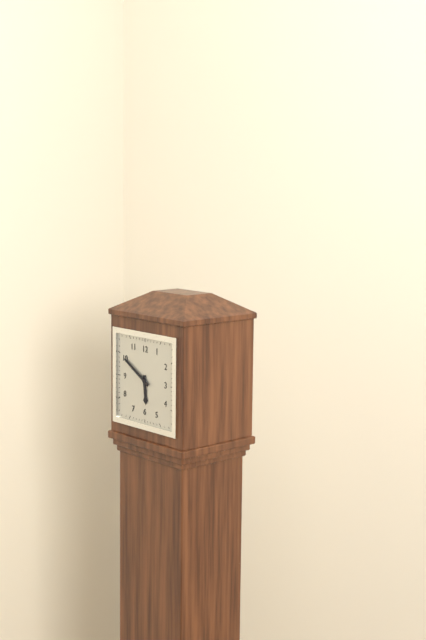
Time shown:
{"hour": 5, "minute": 50}
